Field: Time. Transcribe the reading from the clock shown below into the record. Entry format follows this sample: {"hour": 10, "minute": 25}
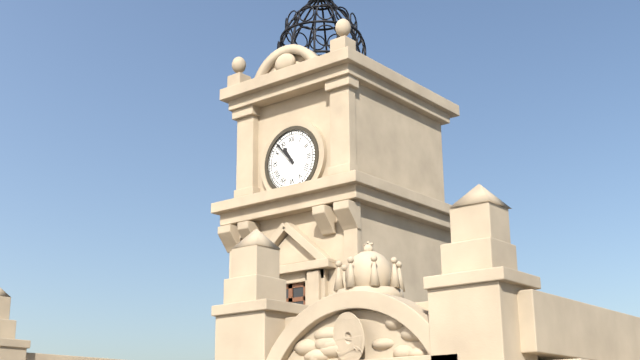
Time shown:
{"hour": 10, "minute": 53}
